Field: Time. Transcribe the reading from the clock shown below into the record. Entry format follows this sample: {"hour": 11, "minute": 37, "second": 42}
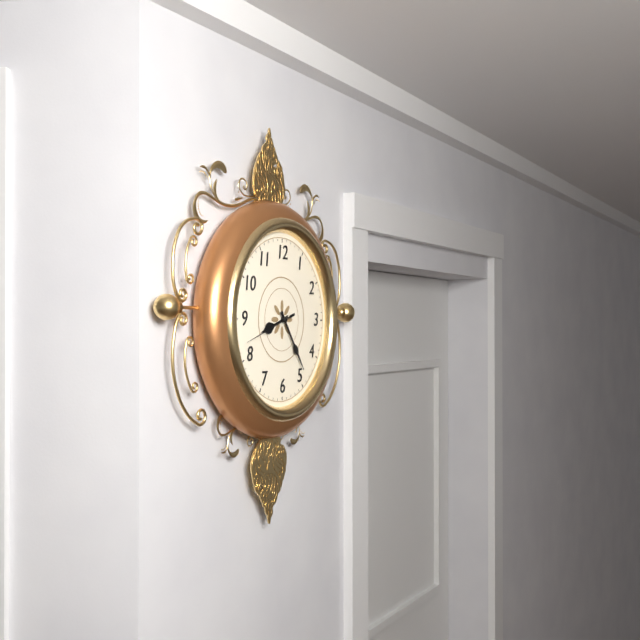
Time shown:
{"hour": 8, "minute": 24, "second": 42}
